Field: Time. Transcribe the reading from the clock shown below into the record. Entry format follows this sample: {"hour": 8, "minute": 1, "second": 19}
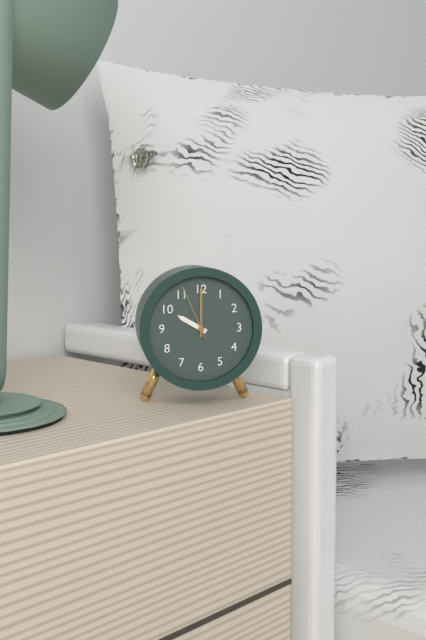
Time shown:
{"hour": 10, "minute": 0, "second": 56}
